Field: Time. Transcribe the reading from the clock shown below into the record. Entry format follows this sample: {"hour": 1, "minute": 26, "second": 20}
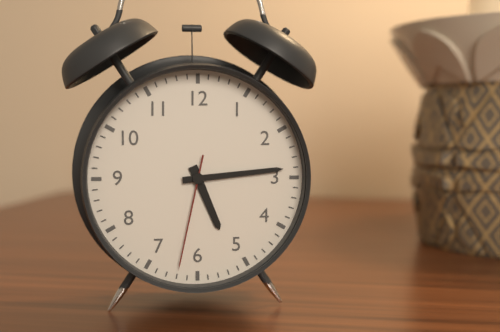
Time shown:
{"hour": 5, "minute": 14, "second": 32}
